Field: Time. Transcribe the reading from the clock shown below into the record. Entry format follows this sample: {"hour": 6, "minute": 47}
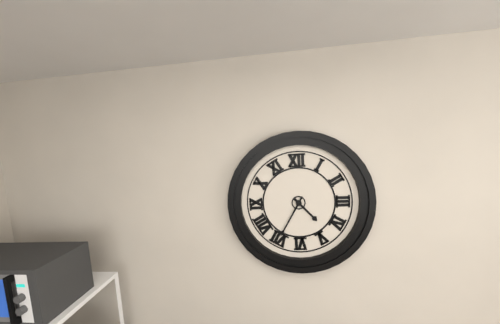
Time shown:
{"hour": 4, "minute": 35}
